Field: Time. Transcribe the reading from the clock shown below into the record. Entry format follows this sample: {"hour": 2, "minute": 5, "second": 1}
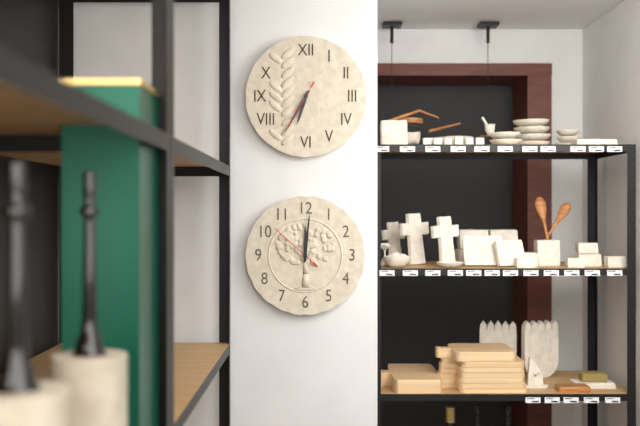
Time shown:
{"hour": 6, "minute": 35, "second": 35}
